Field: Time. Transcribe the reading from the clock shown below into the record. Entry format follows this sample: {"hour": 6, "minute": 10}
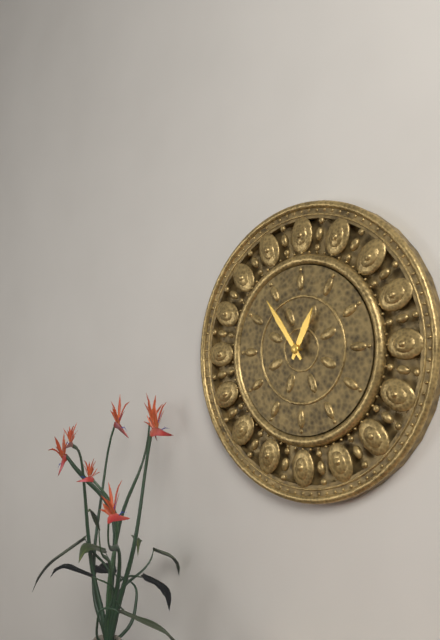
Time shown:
{"hour": 12, "minute": 54}
